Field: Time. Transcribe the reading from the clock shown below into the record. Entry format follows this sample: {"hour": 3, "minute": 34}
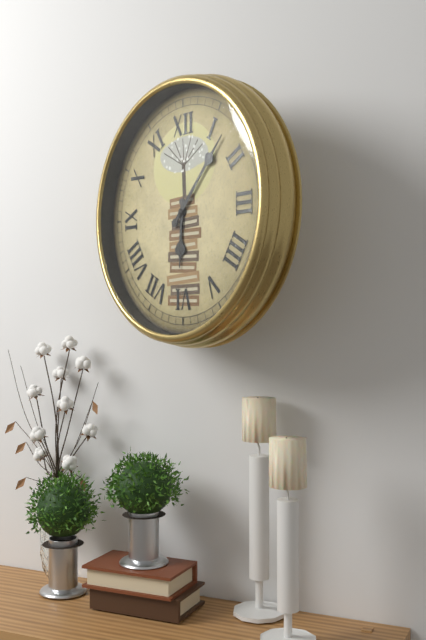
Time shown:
{"hour": 6, "minute": 7}
